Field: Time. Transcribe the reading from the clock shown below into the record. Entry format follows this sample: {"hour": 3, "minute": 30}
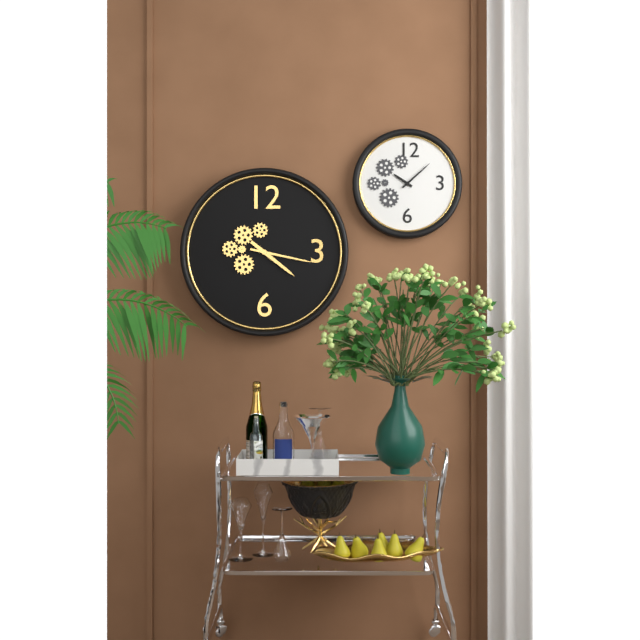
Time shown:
{"hour": 4, "minute": 17}
